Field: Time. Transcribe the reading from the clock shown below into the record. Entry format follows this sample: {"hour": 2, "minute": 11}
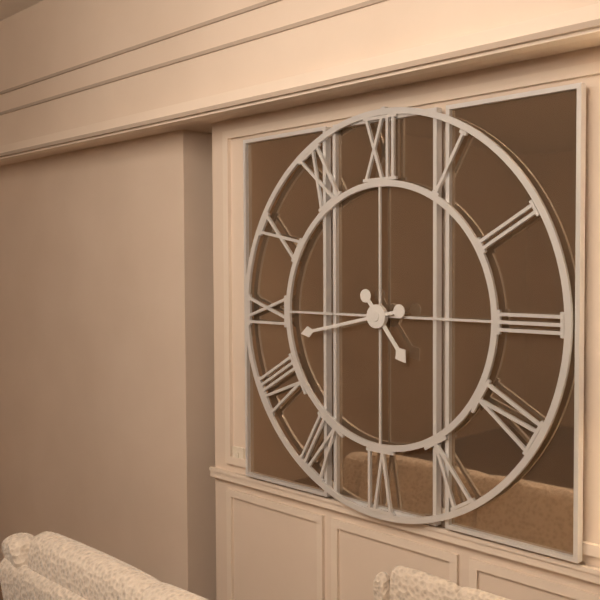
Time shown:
{"hour": 4, "minute": 43}
